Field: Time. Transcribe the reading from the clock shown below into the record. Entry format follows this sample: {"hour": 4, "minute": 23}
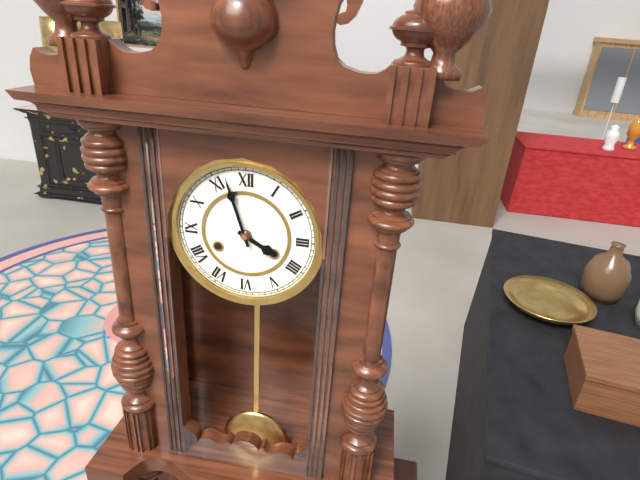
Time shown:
{"hour": 3, "minute": 57}
